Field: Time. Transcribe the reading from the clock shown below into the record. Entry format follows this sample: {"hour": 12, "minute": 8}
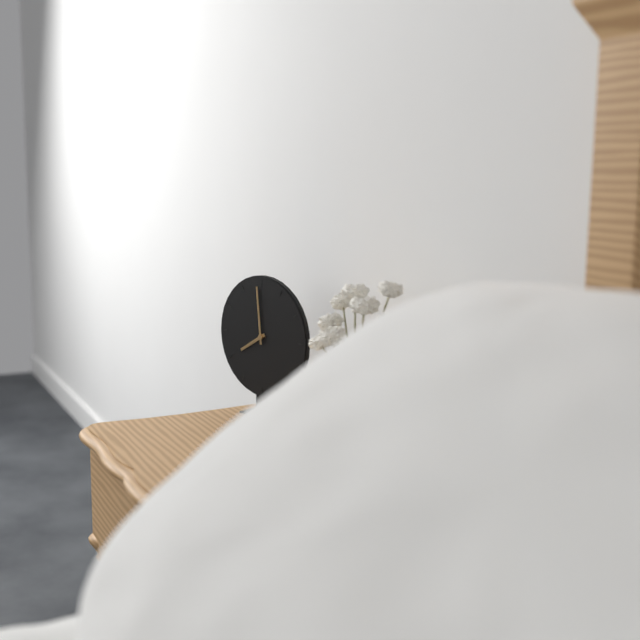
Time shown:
{"hour": 7, "minute": 59}
